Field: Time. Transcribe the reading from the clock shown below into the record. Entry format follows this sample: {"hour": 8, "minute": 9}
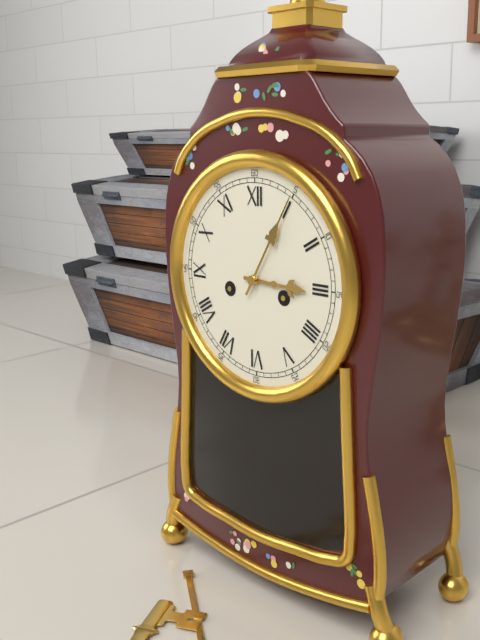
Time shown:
{"hour": 3, "minute": 5}
